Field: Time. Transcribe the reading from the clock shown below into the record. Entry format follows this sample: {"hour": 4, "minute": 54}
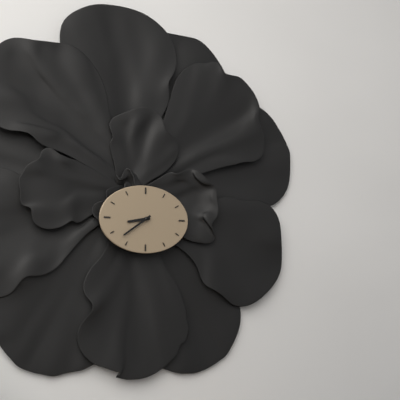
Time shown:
{"hour": 8, "minute": 39}
